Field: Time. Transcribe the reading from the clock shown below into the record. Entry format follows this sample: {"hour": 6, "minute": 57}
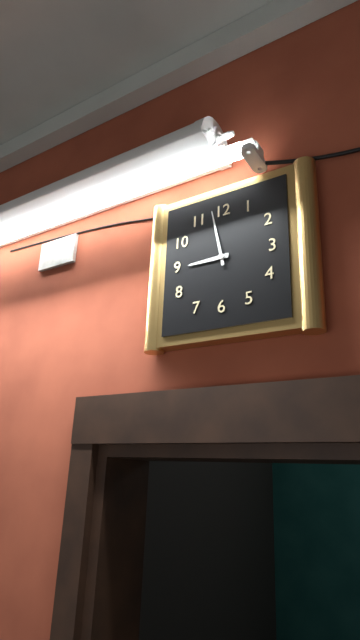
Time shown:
{"hour": 8, "minute": 58}
